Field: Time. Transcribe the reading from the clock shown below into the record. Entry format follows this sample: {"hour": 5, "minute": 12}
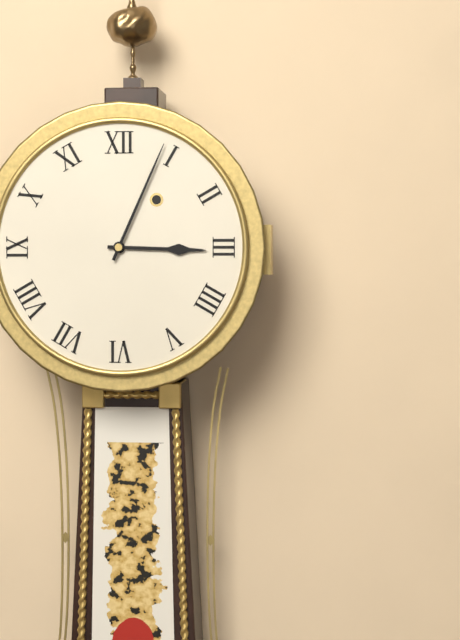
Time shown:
{"hour": 3, "minute": 4}
